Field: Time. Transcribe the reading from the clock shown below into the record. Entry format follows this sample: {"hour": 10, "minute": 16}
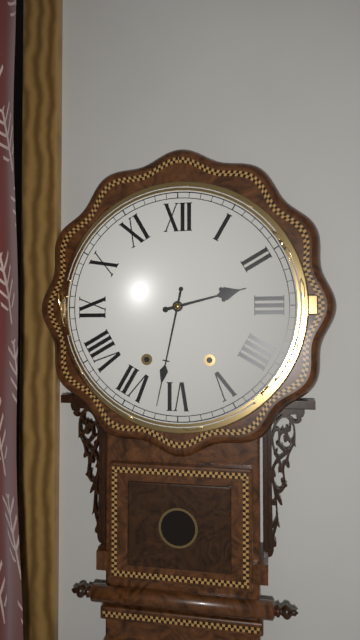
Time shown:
{"hour": 2, "minute": 32}
